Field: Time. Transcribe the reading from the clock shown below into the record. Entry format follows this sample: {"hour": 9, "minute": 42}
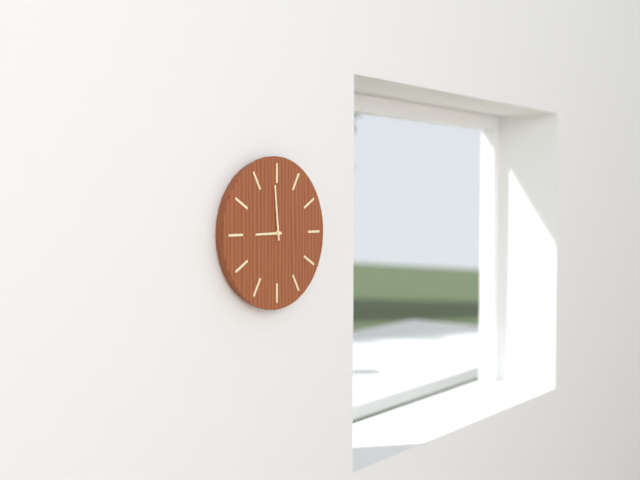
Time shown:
{"hour": 8, "minute": 59}
